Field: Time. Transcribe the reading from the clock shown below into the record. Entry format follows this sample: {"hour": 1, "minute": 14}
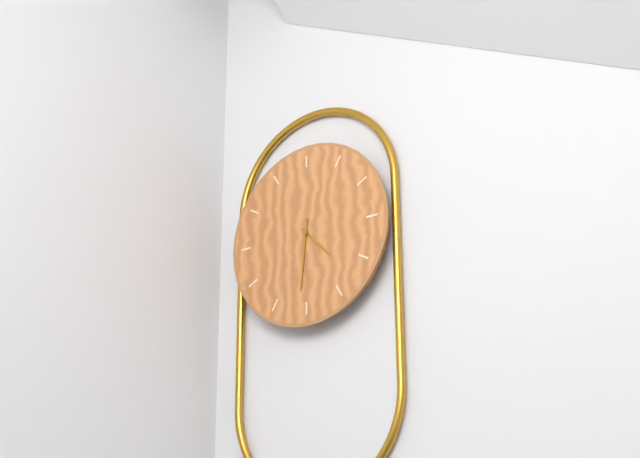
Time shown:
{"hour": 4, "minute": 31}
